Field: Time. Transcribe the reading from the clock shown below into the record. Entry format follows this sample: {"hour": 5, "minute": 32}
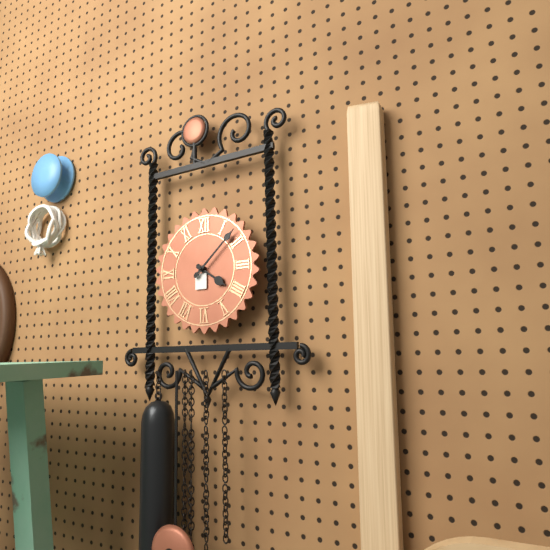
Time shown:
{"hour": 4, "minute": 8}
